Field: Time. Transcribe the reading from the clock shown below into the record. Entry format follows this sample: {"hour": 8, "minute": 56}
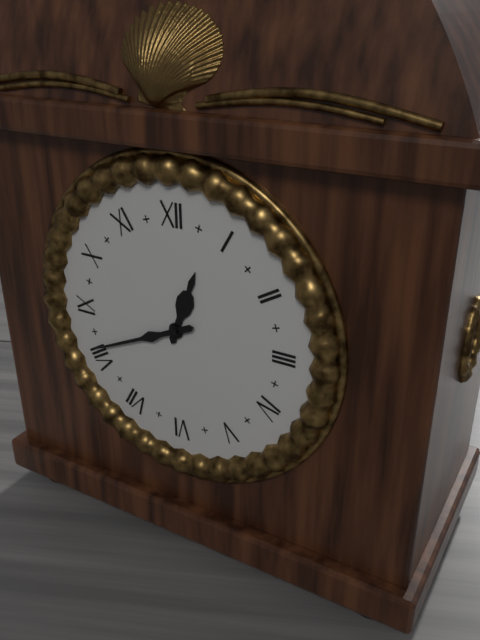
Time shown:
{"hour": 12, "minute": 41}
